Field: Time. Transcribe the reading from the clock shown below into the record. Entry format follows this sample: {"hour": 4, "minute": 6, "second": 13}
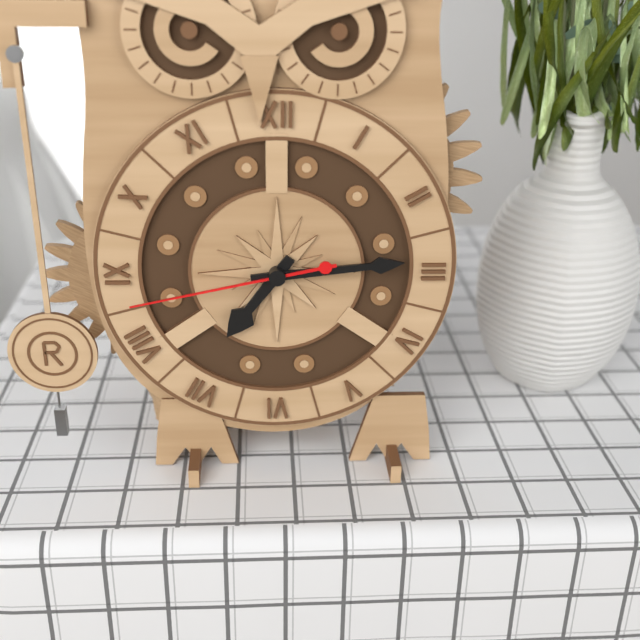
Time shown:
{"hour": 7, "minute": 14, "second": 43}
